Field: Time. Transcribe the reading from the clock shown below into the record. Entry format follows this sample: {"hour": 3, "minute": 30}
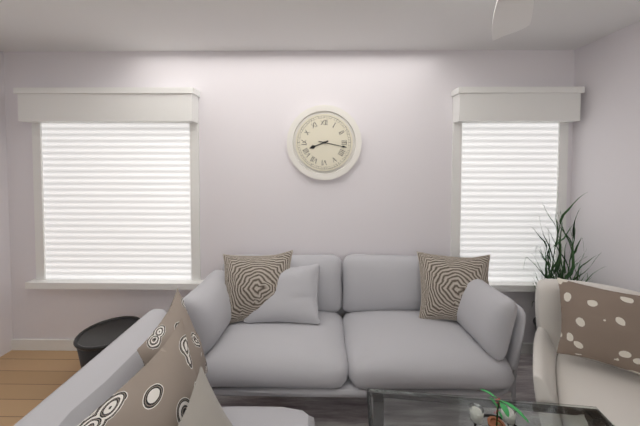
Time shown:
{"hour": 8, "minute": 17}
